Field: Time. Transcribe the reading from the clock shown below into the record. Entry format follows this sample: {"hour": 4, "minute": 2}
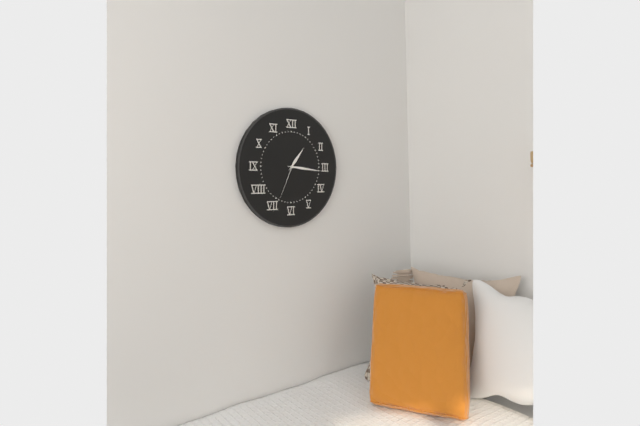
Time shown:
{"hour": 1, "minute": 16}
